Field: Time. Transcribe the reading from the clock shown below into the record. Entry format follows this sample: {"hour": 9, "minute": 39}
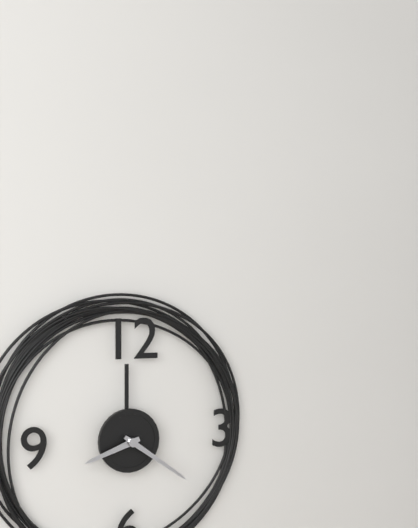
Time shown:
{"hour": 8, "minute": 21}
